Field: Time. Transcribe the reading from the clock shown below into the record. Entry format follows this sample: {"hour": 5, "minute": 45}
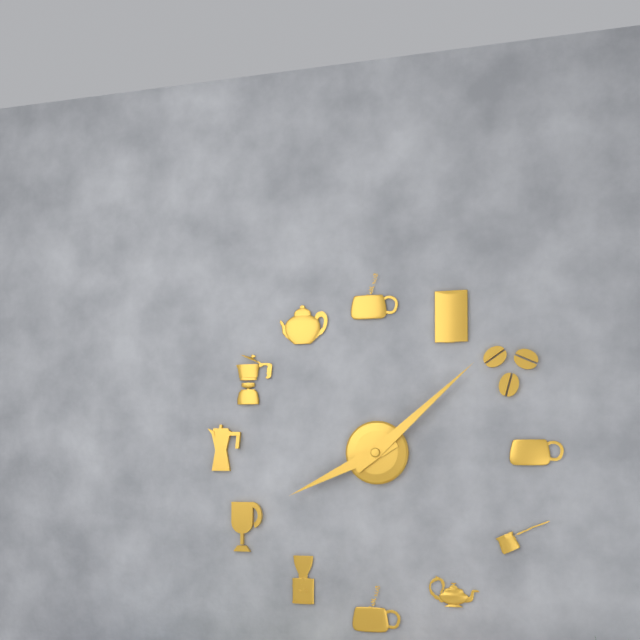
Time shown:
{"hour": 8, "minute": 8}
